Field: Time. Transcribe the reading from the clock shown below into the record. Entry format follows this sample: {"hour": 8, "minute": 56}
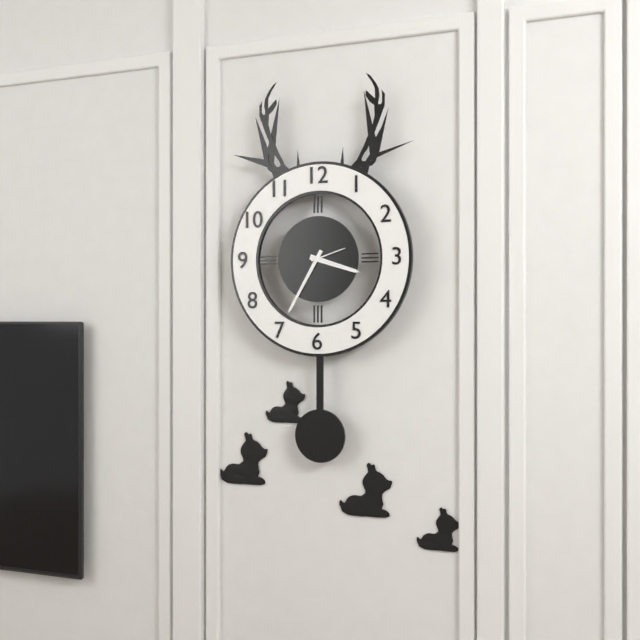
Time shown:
{"hour": 3, "minute": 35}
